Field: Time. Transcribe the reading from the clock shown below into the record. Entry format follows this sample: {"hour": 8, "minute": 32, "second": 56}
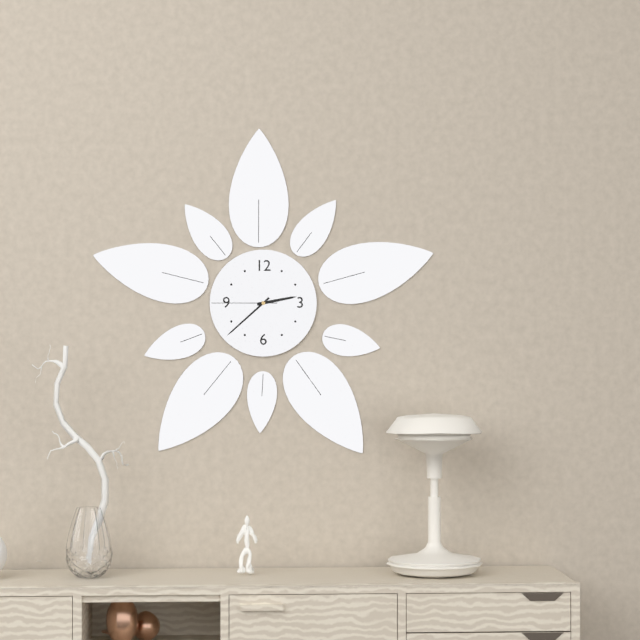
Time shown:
{"hour": 2, "minute": 38, "second": 45}
